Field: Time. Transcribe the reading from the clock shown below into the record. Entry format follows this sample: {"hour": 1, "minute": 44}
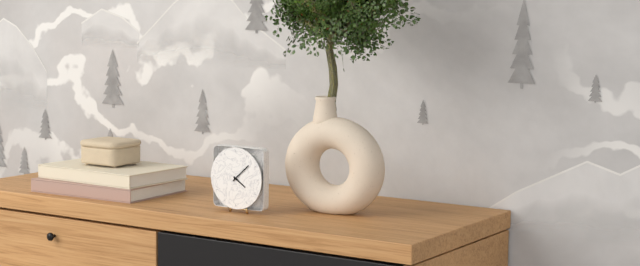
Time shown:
{"hour": 4, "minute": 8}
